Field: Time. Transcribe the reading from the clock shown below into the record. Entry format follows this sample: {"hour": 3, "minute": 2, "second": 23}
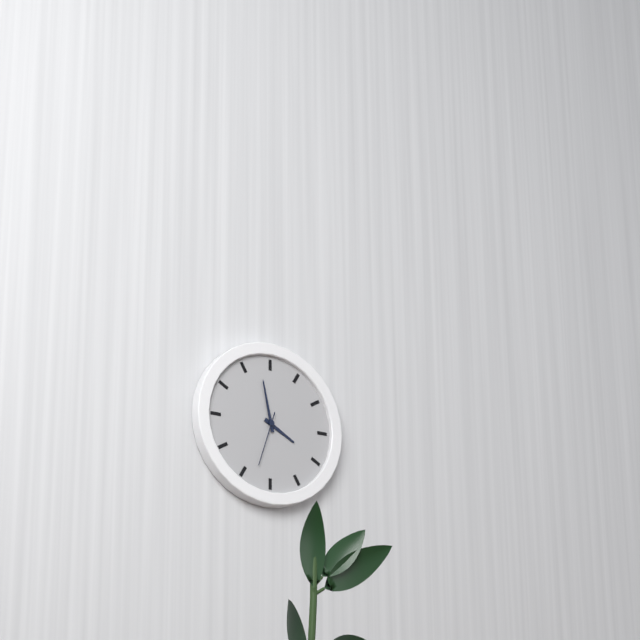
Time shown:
{"hour": 3, "minute": 58, "second": 33}
